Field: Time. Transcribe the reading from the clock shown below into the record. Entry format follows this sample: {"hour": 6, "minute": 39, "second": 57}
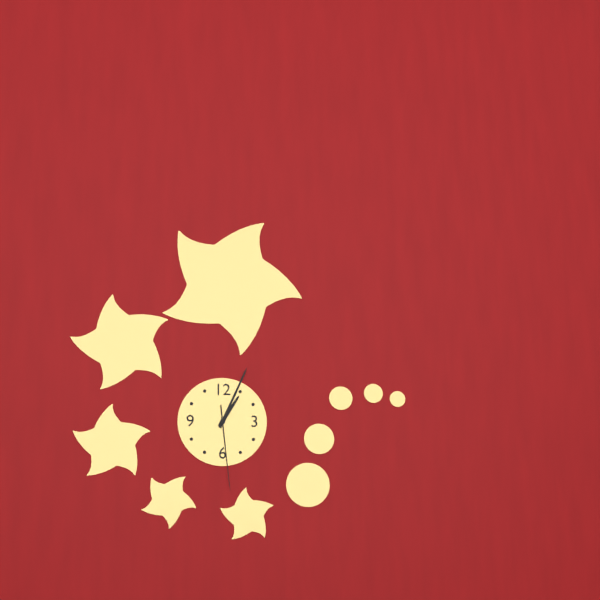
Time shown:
{"hour": 1, "minute": 4, "second": 29}
